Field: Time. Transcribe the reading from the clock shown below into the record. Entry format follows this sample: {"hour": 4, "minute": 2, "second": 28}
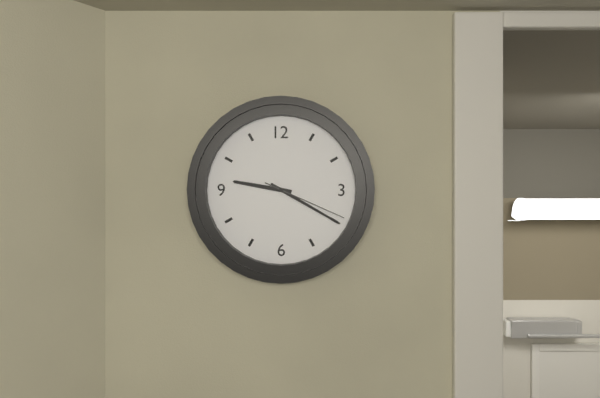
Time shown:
{"hour": 9, "minute": 20, "second": 19}
